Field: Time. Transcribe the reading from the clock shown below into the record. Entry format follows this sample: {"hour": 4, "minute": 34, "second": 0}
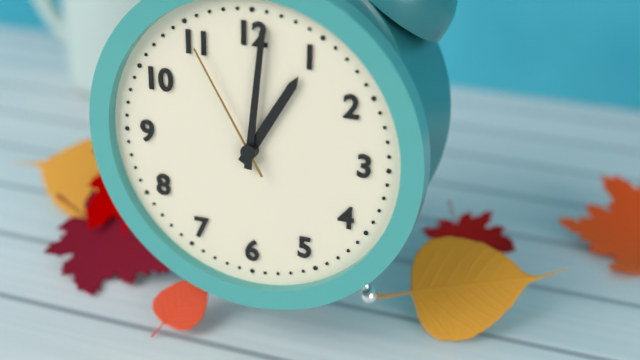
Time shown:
{"hour": 1, "minute": 1, "second": 55}
